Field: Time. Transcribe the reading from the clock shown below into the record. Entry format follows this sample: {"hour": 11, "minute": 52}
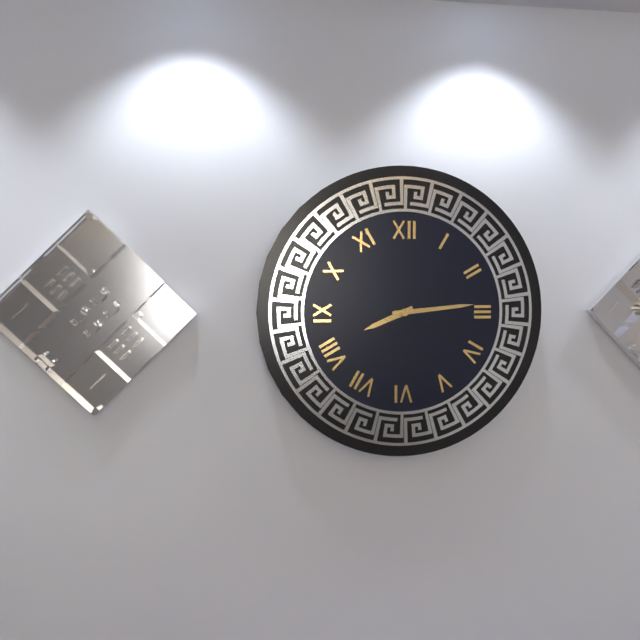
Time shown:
{"hour": 8, "minute": 14}
